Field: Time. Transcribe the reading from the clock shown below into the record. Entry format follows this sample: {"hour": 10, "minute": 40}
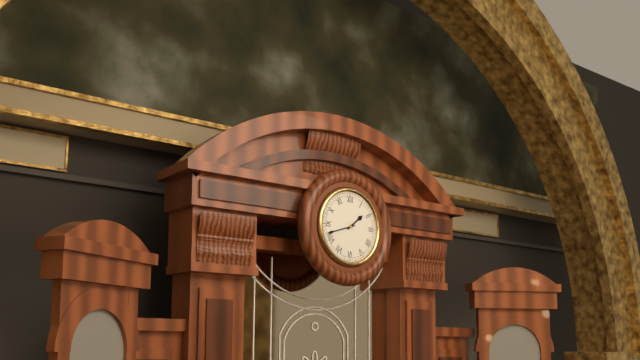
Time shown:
{"hour": 1, "minute": 42}
